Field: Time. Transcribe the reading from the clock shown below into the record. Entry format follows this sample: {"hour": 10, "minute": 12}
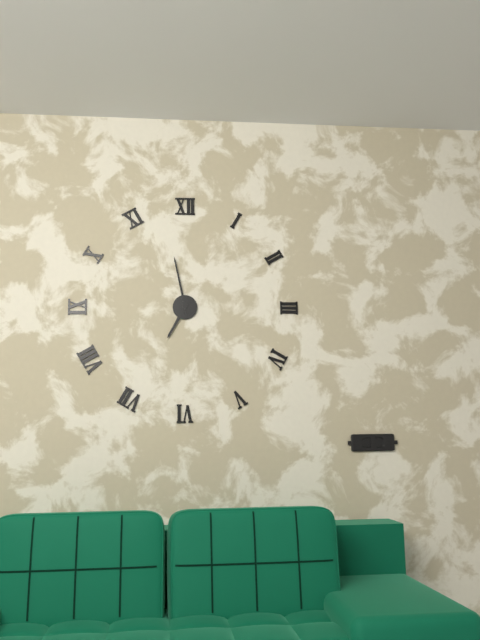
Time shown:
{"hour": 6, "minute": 58}
